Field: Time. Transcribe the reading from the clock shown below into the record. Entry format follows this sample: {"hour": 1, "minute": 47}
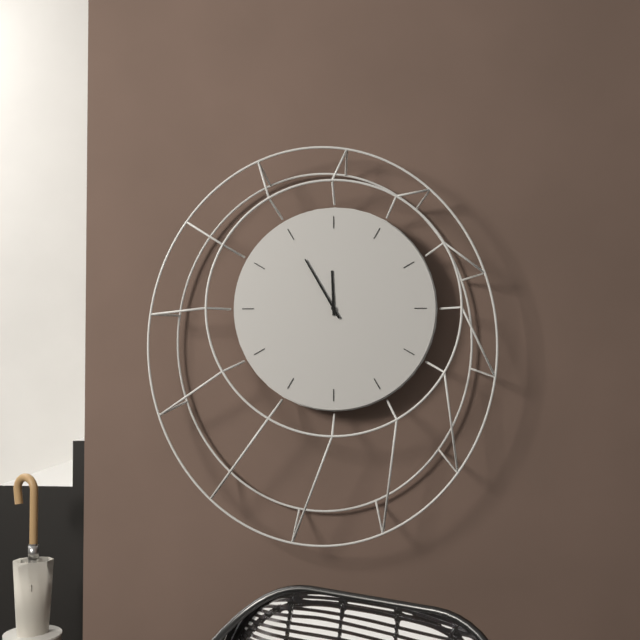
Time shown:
{"hour": 11, "minute": 55}
